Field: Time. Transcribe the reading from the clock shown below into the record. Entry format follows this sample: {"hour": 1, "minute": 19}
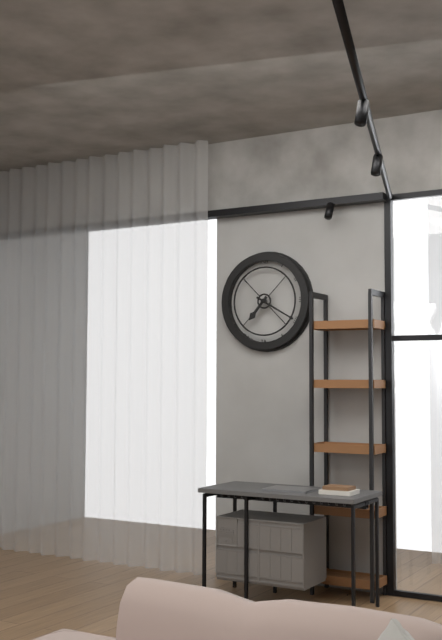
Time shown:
{"hour": 7, "minute": 20}
